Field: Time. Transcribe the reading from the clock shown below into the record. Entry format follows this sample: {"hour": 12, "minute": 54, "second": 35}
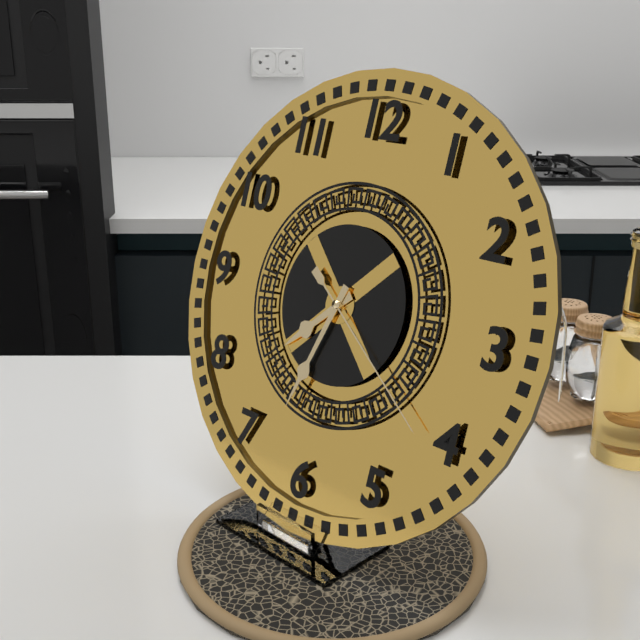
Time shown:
{"hour": 7, "minute": 33, "second": 21}
